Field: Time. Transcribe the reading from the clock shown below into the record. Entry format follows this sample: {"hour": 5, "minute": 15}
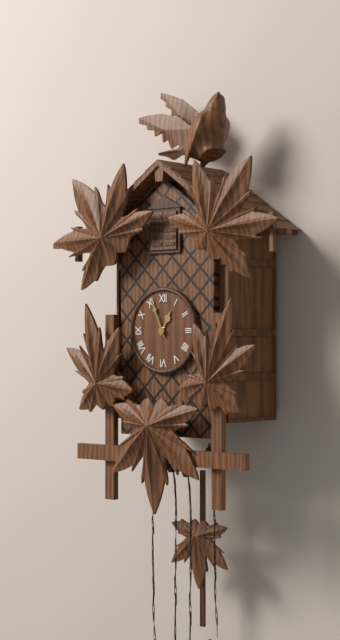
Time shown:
{"hour": 12, "minute": 56}
